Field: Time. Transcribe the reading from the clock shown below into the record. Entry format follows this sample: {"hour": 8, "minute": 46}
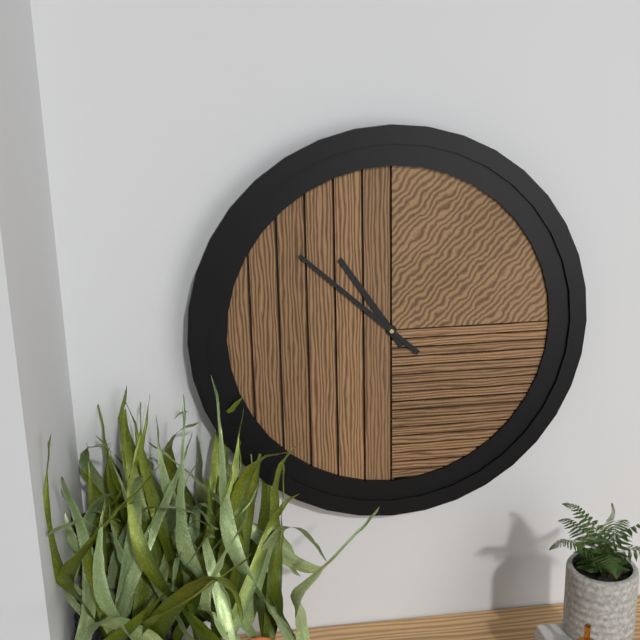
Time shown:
{"hour": 10, "minute": 52}
